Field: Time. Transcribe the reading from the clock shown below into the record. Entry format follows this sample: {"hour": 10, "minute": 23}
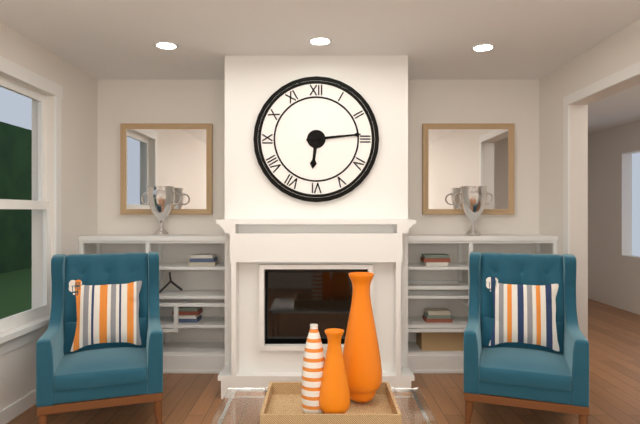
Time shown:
{"hour": 6, "minute": 14}
